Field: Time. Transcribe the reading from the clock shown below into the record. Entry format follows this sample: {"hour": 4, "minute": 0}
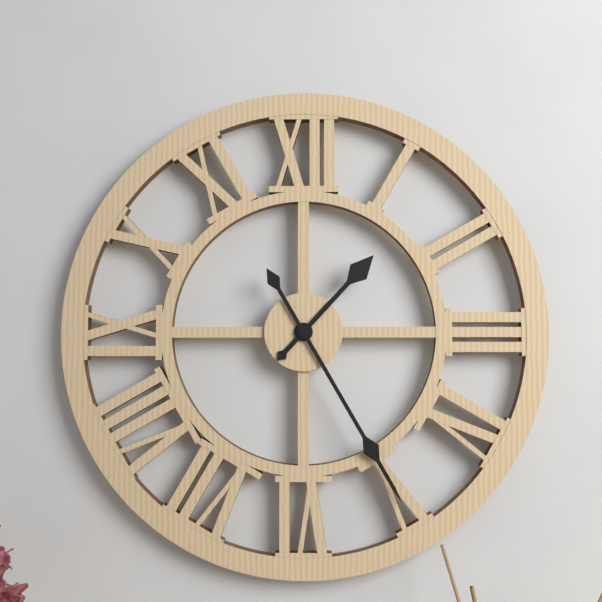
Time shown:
{"hour": 1, "minute": 25}
